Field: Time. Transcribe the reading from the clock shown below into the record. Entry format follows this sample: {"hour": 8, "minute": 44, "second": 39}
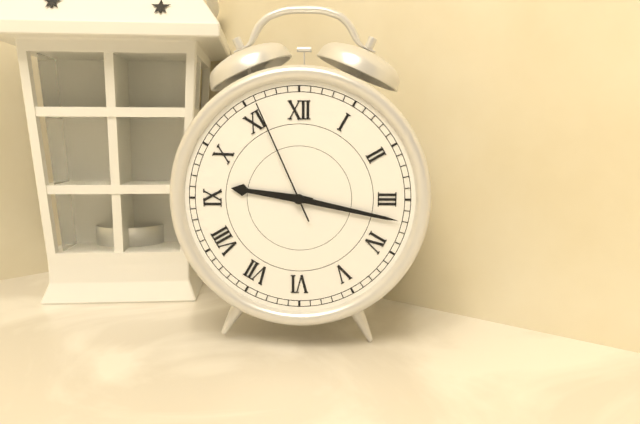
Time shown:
{"hour": 9, "minute": 17, "second": 56}
